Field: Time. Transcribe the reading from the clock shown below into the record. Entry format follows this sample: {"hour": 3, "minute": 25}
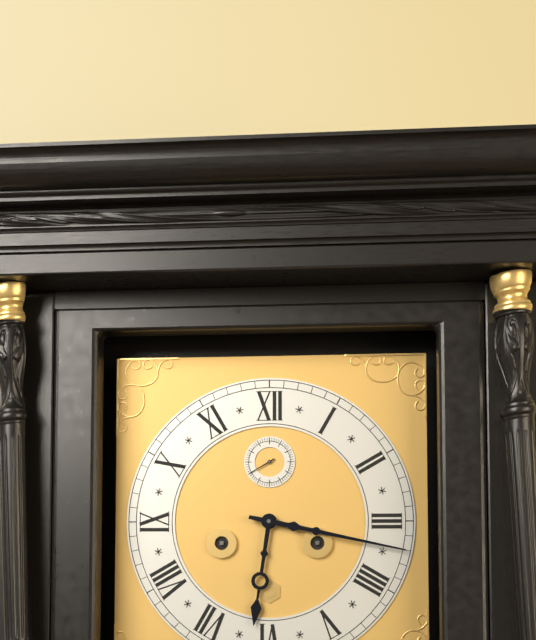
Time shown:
{"hour": 6, "minute": 17}
